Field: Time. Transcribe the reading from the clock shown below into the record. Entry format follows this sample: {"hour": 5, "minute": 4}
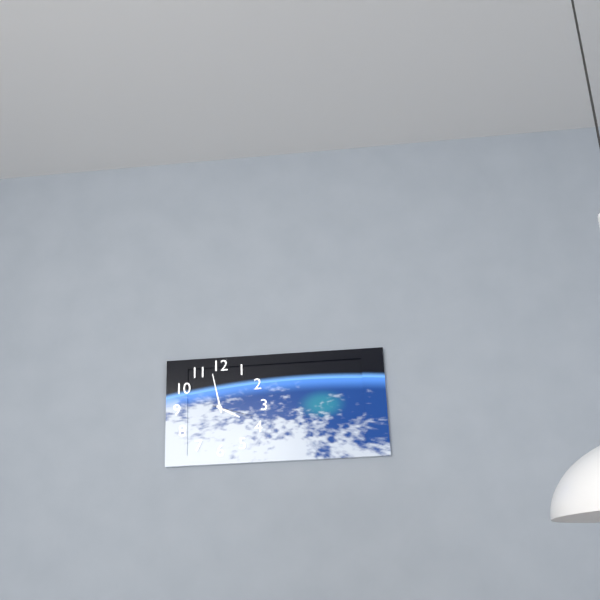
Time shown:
{"hour": 3, "minute": 58}
